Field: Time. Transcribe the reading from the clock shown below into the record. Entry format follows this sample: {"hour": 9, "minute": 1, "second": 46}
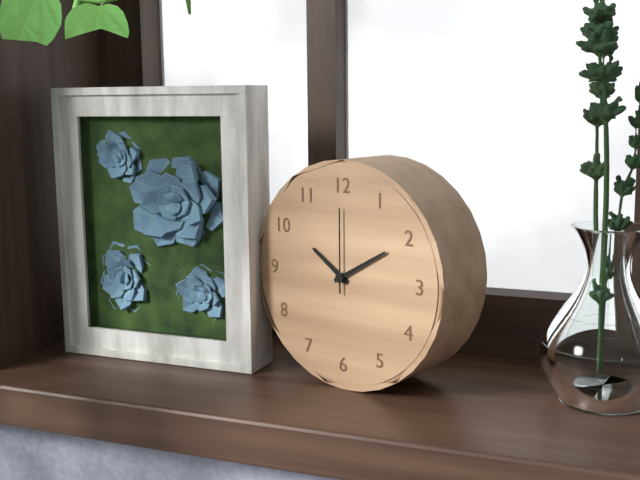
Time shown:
{"hour": 10, "minute": 10, "second": 0}
